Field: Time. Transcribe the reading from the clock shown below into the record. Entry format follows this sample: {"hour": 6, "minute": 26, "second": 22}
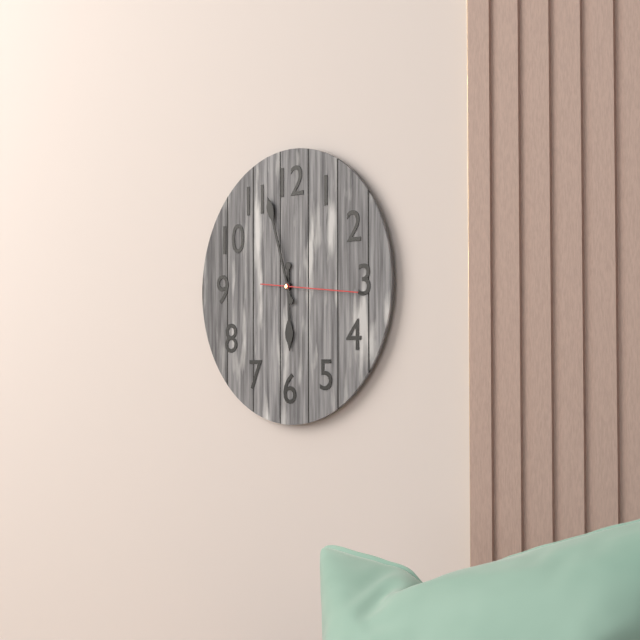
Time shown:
{"hour": 5, "minute": 57, "second": 16}
